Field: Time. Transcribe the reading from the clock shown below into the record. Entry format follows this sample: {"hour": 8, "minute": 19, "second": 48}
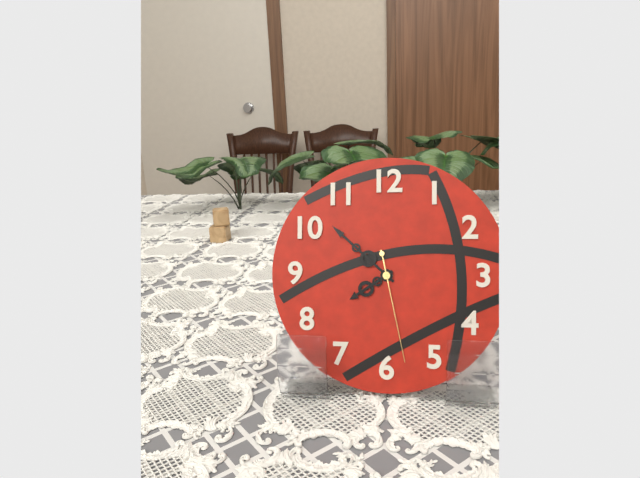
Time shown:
{"hour": 7, "minute": 52, "second": 28}
